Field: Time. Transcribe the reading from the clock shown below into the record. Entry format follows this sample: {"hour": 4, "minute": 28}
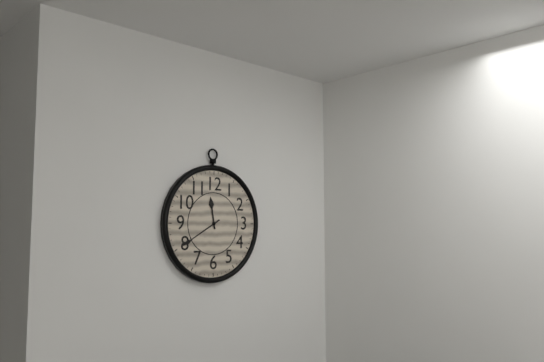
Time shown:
{"hour": 11, "minute": 40}
